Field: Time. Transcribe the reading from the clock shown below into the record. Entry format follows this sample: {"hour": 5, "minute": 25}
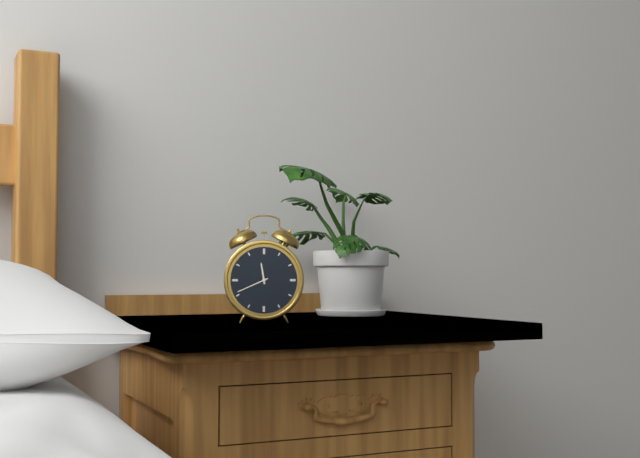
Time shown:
{"hour": 11, "minute": 41}
